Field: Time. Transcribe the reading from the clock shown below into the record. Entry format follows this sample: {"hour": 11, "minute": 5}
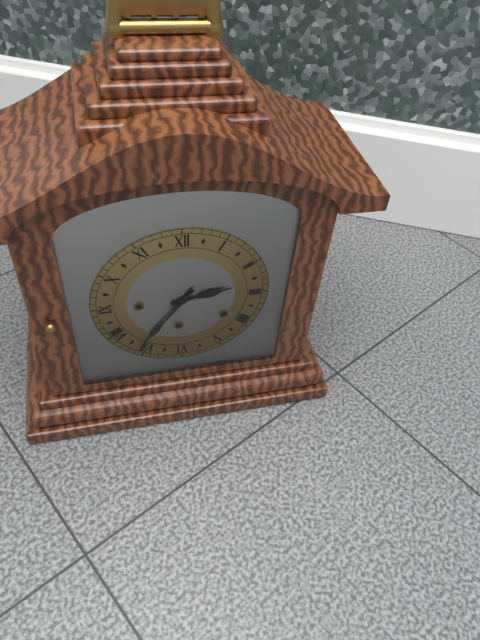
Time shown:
{"hour": 2, "minute": 36}
